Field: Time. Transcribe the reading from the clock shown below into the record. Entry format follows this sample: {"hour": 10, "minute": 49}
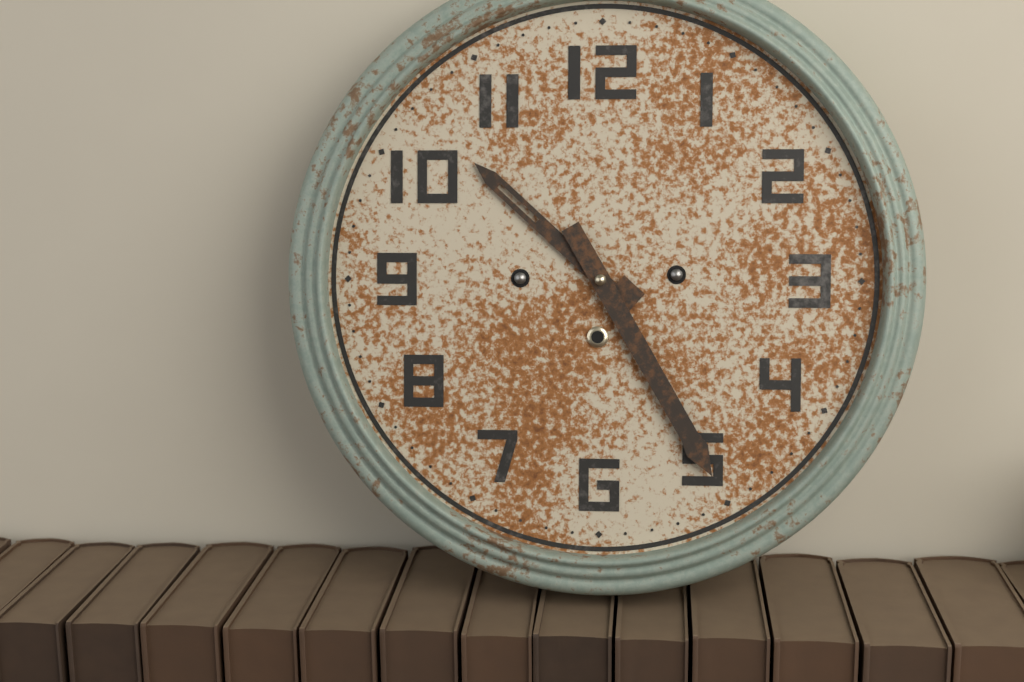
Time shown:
{"hour": 10, "minute": 25}
